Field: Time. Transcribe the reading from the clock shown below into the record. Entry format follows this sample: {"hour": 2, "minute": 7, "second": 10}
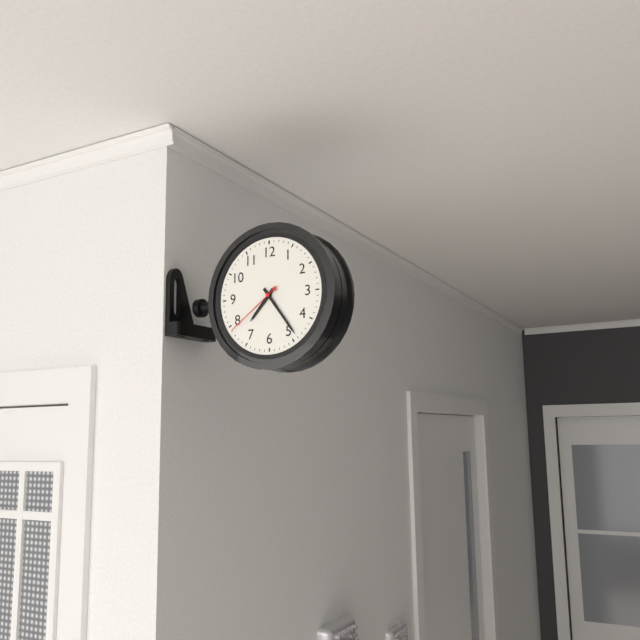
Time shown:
{"hour": 7, "minute": 24, "second": 39}
